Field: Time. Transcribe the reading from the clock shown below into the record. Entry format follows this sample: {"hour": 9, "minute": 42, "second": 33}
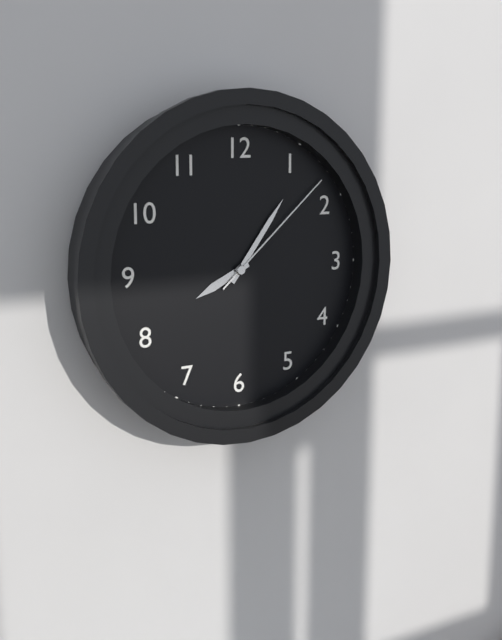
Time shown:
{"hour": 8, "minute": 6, "second": 8}
